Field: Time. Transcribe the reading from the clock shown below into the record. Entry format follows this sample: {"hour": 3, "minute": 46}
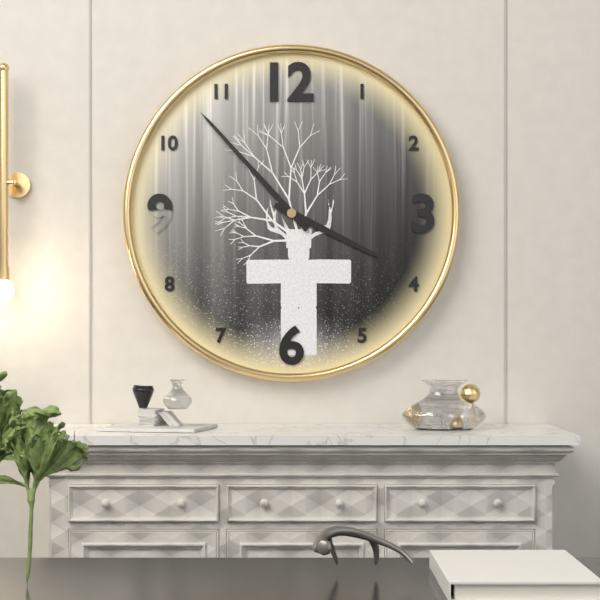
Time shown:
{"hour": 3, "minute": 53}
